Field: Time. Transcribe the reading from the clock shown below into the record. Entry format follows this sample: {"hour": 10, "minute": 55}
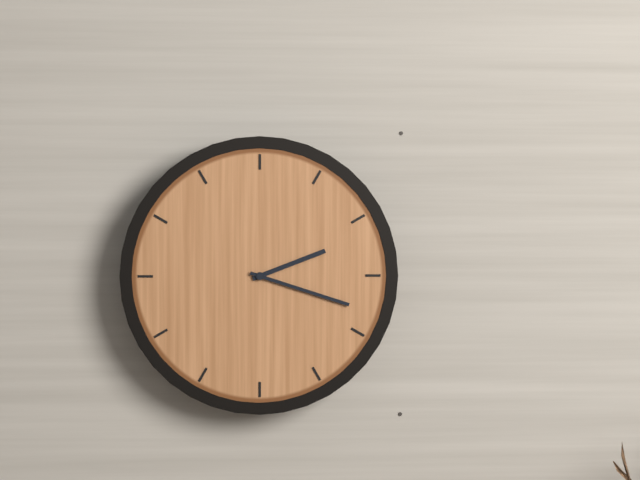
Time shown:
{"hour": 2, "minute": 18}
